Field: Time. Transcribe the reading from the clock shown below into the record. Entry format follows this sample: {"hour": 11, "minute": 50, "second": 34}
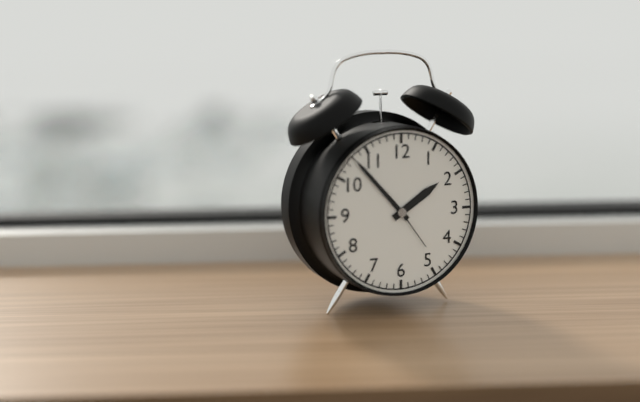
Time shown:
{"hour": 1, "minute": 53, "second": 24}
